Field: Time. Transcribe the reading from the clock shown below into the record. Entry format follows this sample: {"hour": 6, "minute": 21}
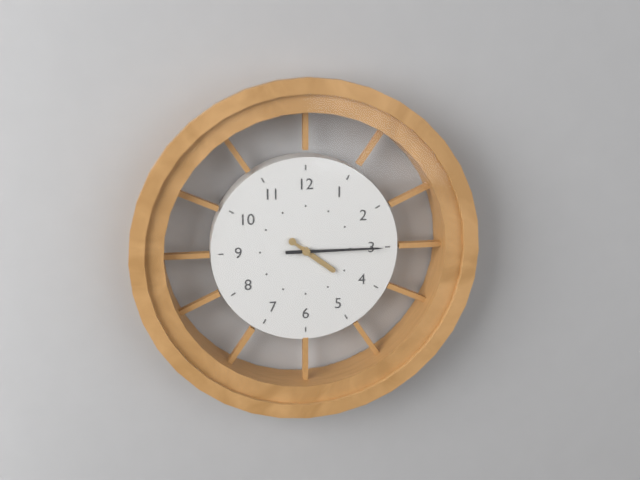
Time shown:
{"hour": 4, "minute": 15}
